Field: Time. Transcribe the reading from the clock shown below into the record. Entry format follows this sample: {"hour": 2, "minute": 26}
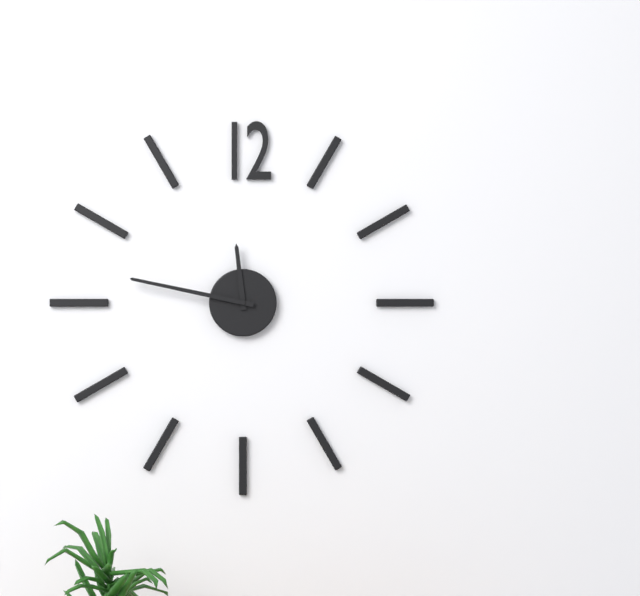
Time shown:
{"hour": 11, "minute": 47}
